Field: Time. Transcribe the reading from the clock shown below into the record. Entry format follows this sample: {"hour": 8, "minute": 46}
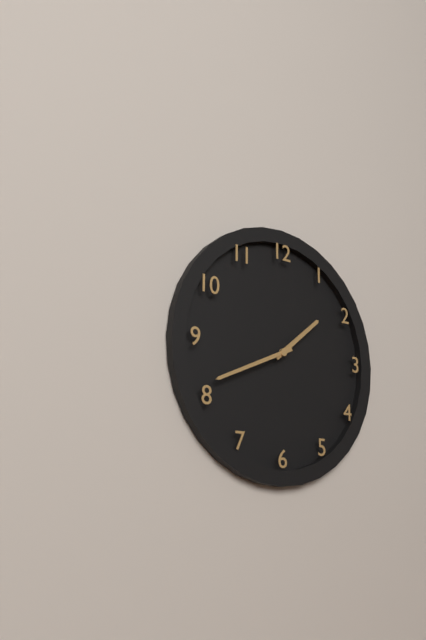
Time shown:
{"hour": 1, "minute": 41}
